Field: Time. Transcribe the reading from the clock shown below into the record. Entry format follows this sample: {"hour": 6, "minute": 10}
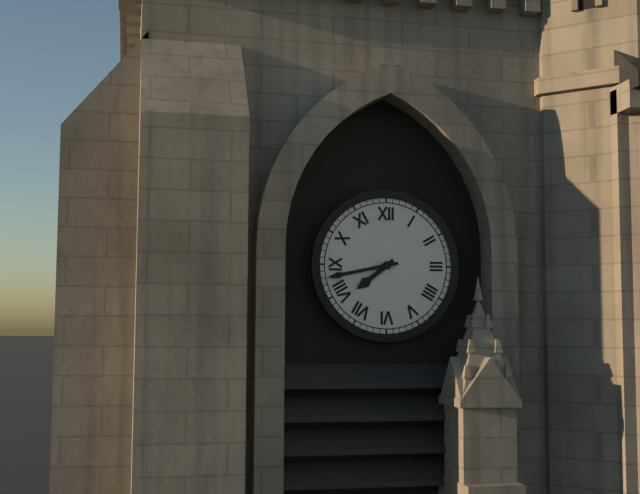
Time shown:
{"hour": 7, "minute": 43}
